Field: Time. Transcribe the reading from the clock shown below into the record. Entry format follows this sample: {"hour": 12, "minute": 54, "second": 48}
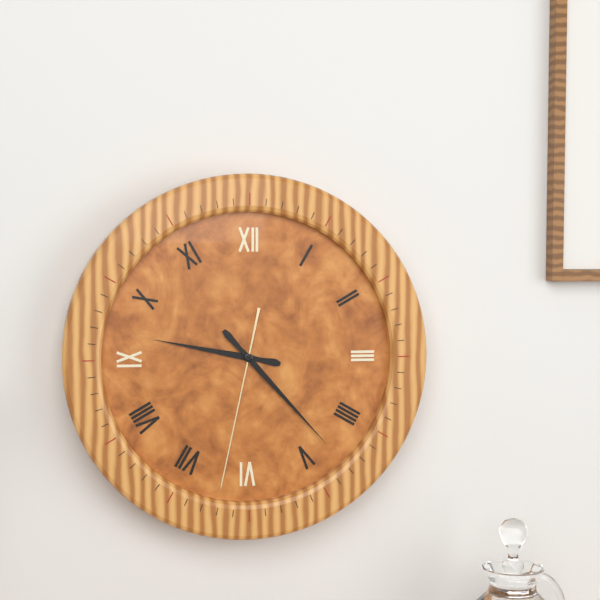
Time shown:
{"hour": 9, "minute": 23, "second": 32}
